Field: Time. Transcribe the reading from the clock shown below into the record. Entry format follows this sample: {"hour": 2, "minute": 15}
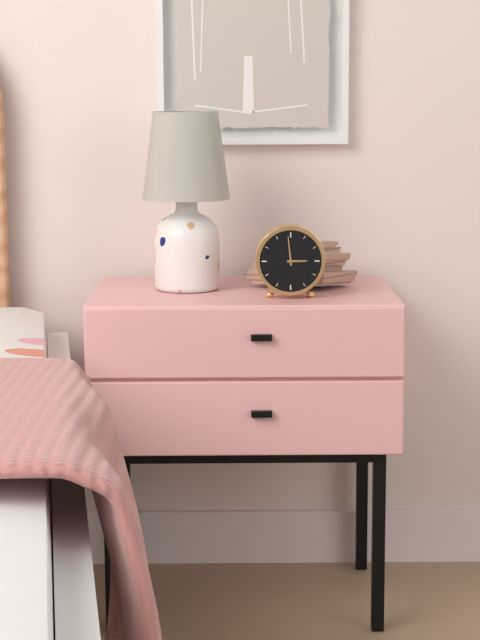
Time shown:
{"hour": 2, "minute": 59}
